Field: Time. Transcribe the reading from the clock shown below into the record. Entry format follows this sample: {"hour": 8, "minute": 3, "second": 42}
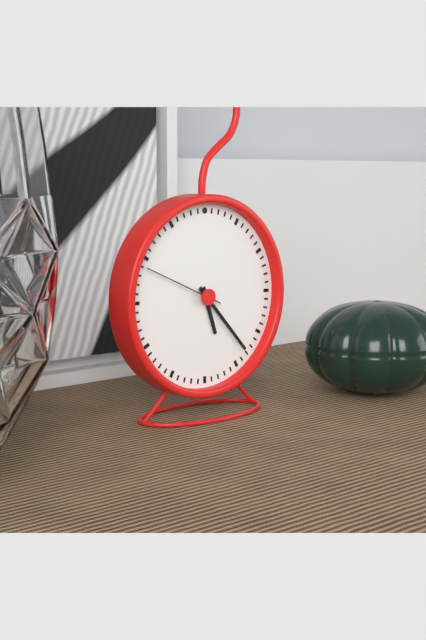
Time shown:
{"hour": 5, "minute": 23, "second": 49}
